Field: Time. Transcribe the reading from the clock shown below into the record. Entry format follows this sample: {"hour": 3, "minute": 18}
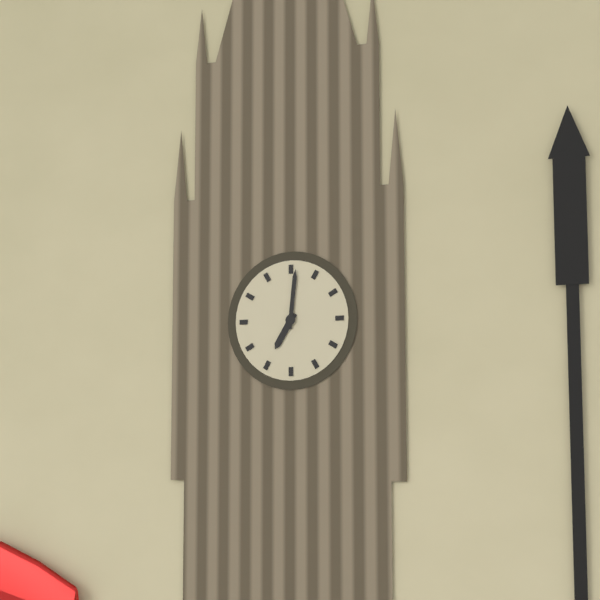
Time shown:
{"hour": 7, "minute": 1}
